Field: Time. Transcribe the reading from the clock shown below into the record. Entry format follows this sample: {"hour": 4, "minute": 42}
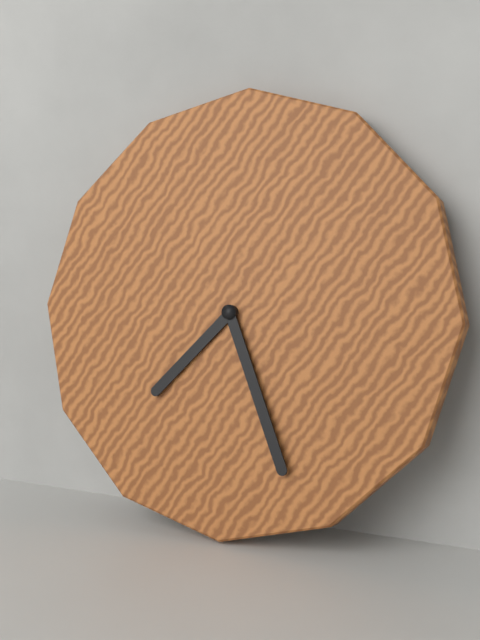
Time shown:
{"hour": 7, "minute": 26}
